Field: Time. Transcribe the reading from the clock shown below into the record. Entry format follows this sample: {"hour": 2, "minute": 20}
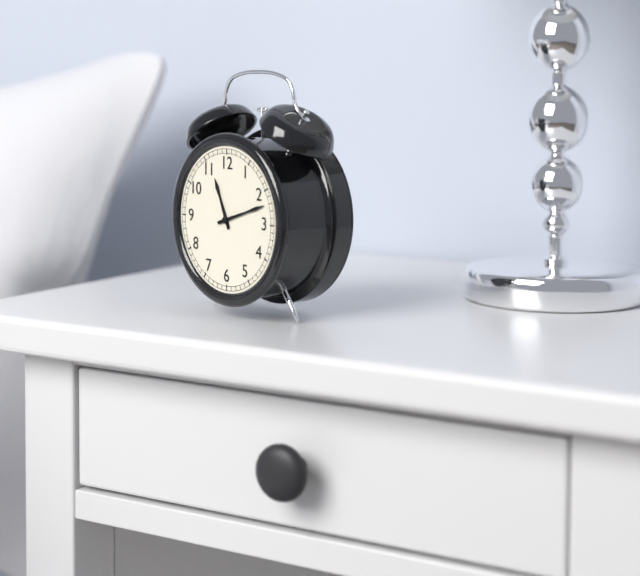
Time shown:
{"hour": 11, "minute": 12}
